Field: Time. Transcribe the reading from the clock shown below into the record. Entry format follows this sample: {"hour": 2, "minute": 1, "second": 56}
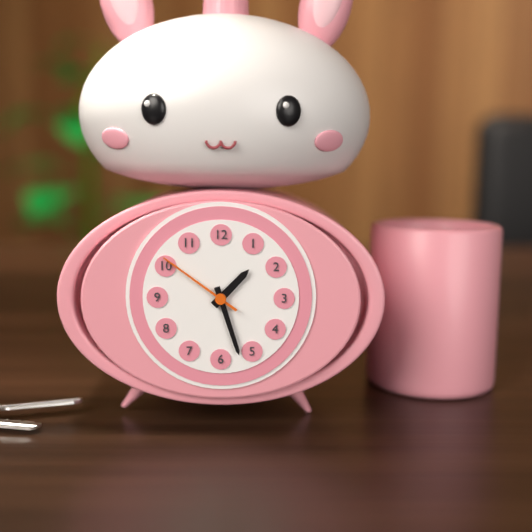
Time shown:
{"hour": 1, "minute": 27, "second": 51}
